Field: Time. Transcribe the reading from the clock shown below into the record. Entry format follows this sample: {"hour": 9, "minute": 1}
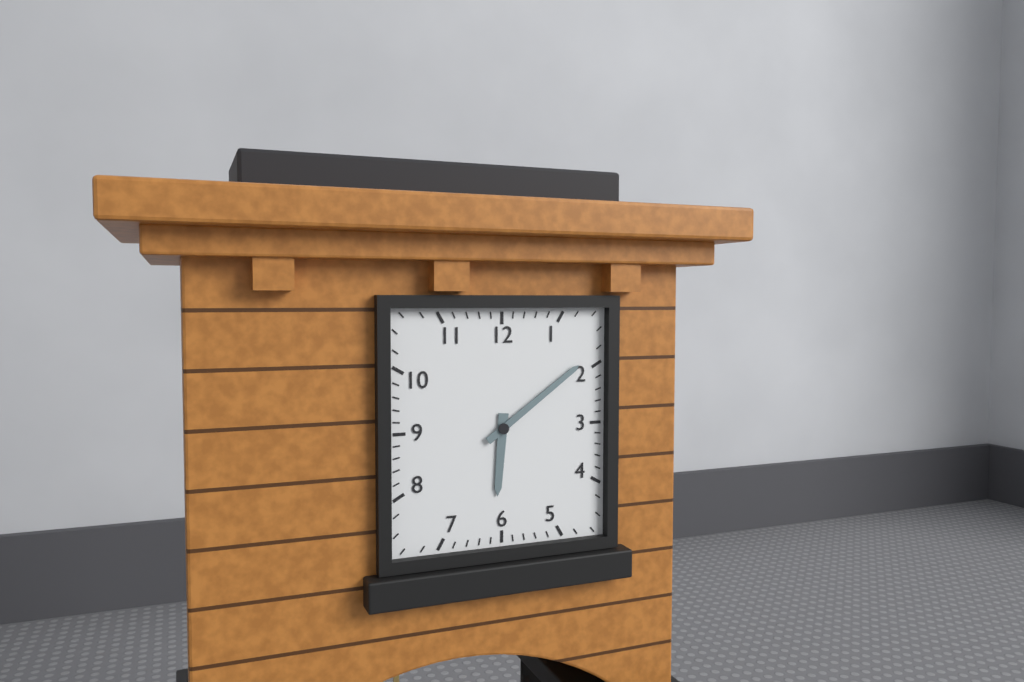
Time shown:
{"hour": 6, "minute": 9}
